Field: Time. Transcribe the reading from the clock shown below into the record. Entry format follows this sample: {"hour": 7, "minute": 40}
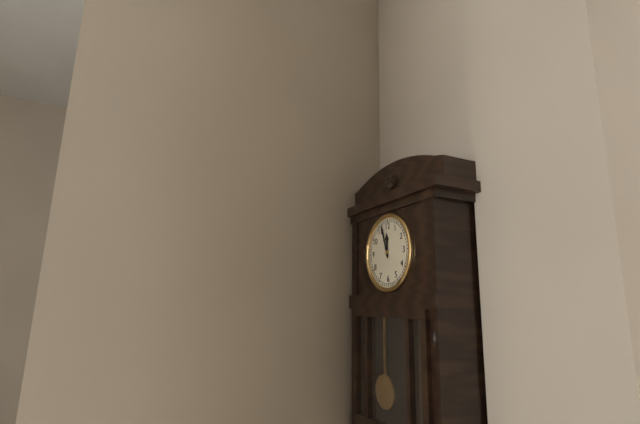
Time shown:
{"hour": 11, "minute": 57}
